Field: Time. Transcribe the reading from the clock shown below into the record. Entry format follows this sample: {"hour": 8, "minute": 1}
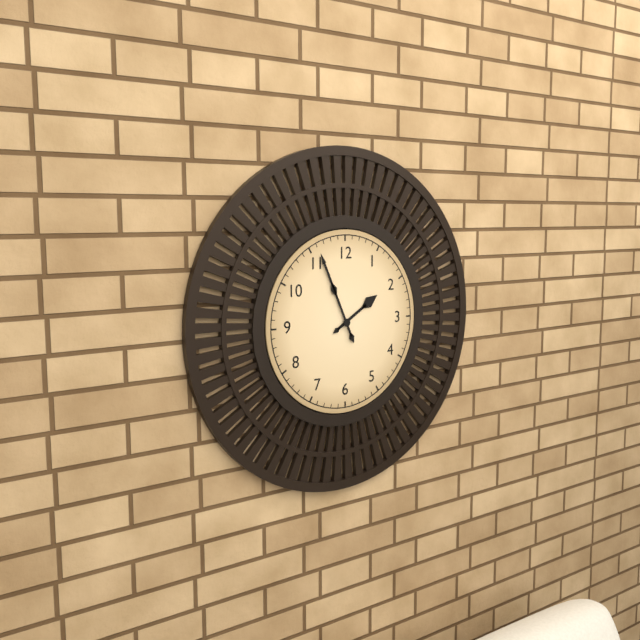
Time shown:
{"hour": 1, "minute": 56}
